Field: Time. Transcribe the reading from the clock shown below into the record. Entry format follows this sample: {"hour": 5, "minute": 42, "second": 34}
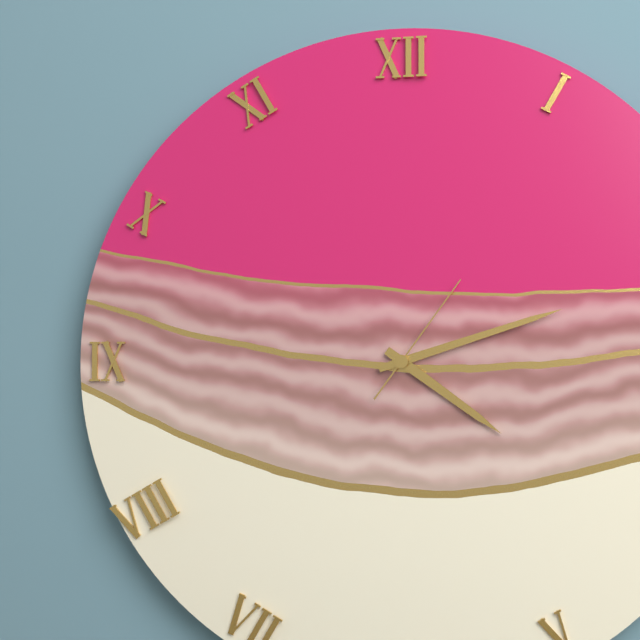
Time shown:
{"hour": 4, "minute": 12, "second": 6}
